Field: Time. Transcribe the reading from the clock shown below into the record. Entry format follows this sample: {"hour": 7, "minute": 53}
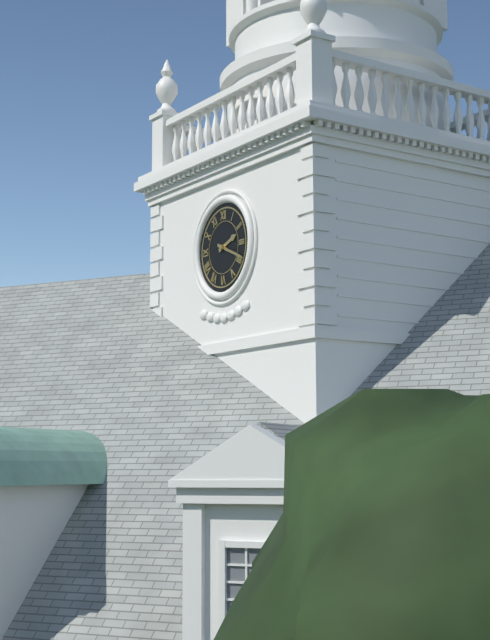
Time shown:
{"hour": 2, "minute": 19}
